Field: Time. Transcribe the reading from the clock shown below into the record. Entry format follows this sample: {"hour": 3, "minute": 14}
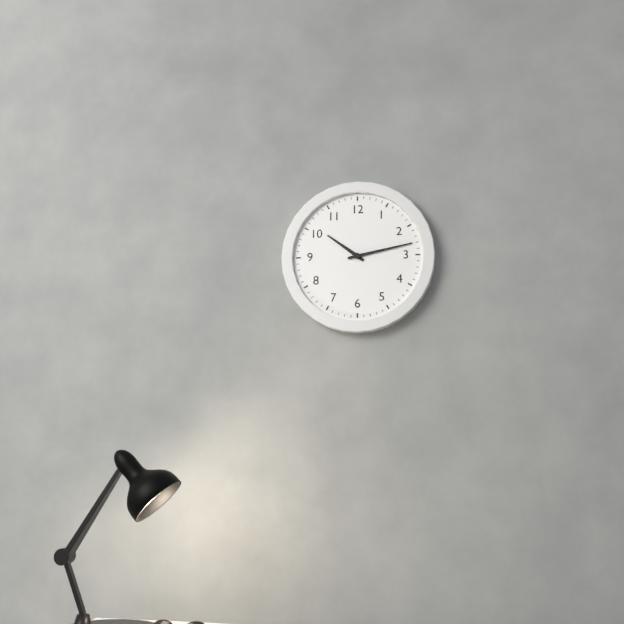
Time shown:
{"hour": 10, "minute": 13}
